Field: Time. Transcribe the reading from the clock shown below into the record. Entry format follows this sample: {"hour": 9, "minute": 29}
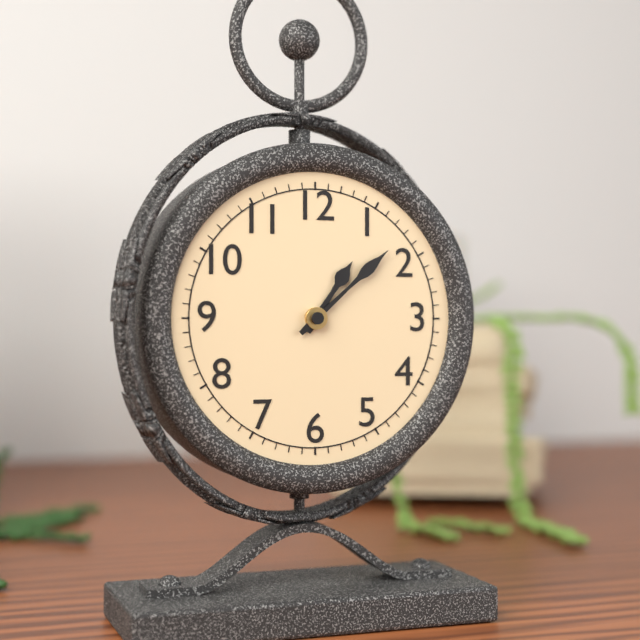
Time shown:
{"hour": 1, "minute": 8}
